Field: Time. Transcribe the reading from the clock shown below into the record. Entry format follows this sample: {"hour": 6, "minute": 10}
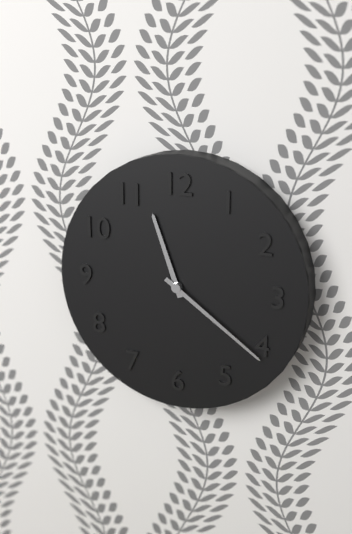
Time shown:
{"hour": 11, "minute": 21}
